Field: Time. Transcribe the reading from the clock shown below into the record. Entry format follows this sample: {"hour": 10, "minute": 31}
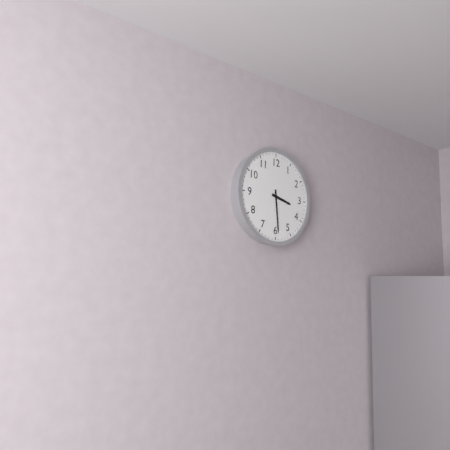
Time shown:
{"hour": 3, "minute": 29}
